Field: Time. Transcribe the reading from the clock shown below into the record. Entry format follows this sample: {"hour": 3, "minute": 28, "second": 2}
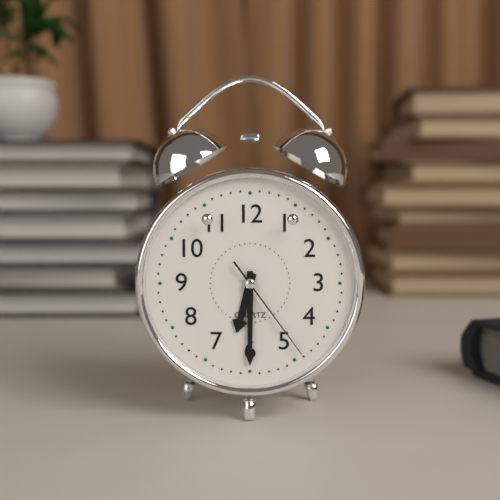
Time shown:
{"hour": 6, "minute": 30, "second": 24}
